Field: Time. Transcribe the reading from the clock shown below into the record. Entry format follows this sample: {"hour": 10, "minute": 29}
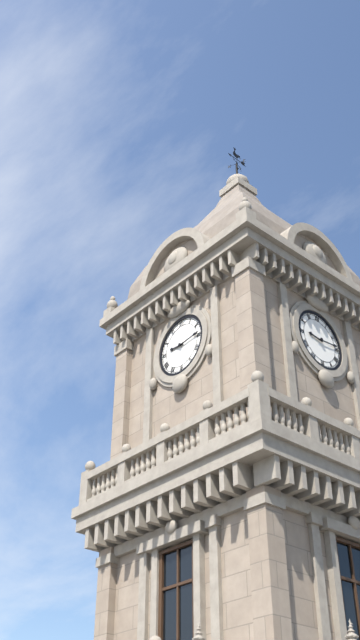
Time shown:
{"hour": 9, "minute": 14}
